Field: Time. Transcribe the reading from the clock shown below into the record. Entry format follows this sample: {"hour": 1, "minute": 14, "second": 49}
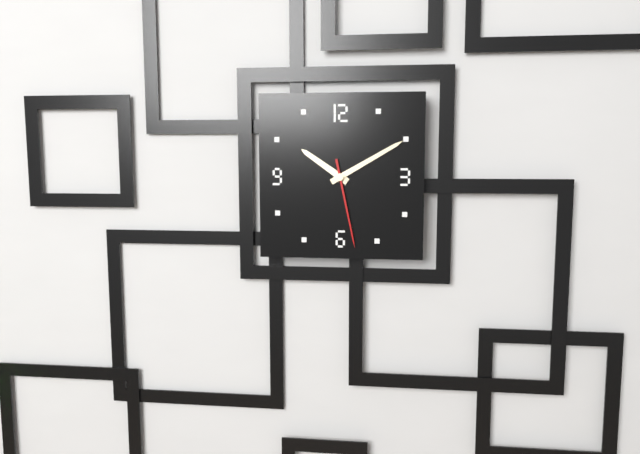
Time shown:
{"hour": 10, "minute": 10, "second": 28}
